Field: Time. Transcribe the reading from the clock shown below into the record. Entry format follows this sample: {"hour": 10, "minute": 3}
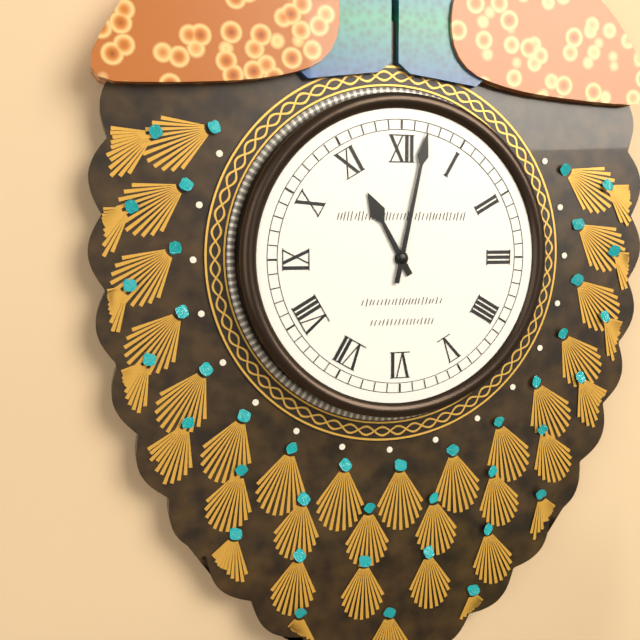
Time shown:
{"hour": 11, "minute": 2}
